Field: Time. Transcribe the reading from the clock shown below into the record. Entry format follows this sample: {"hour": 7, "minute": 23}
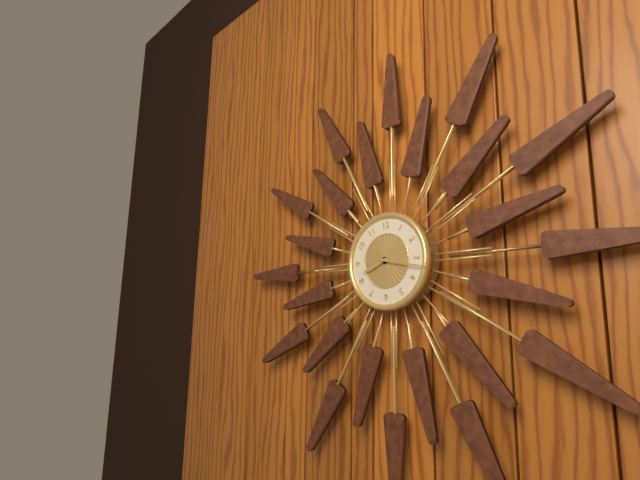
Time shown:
{"hour": 8, "minute": 17}
